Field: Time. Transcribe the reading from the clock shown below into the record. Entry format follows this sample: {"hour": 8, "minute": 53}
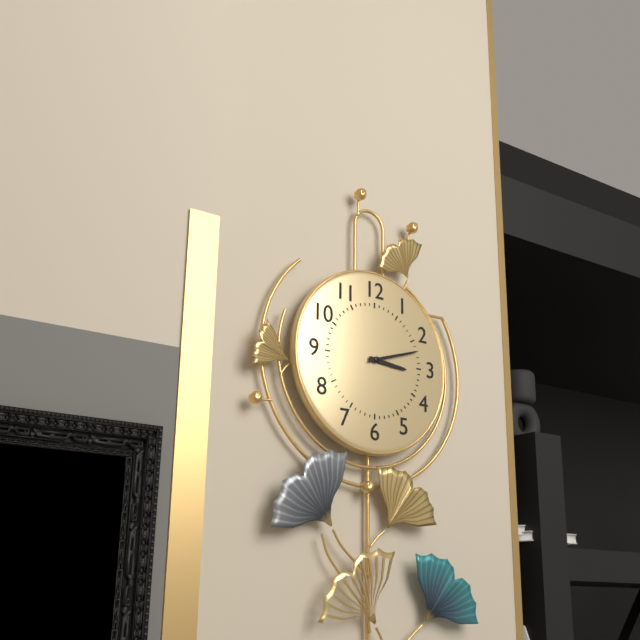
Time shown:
{"hour": 3, "minute": 12}
